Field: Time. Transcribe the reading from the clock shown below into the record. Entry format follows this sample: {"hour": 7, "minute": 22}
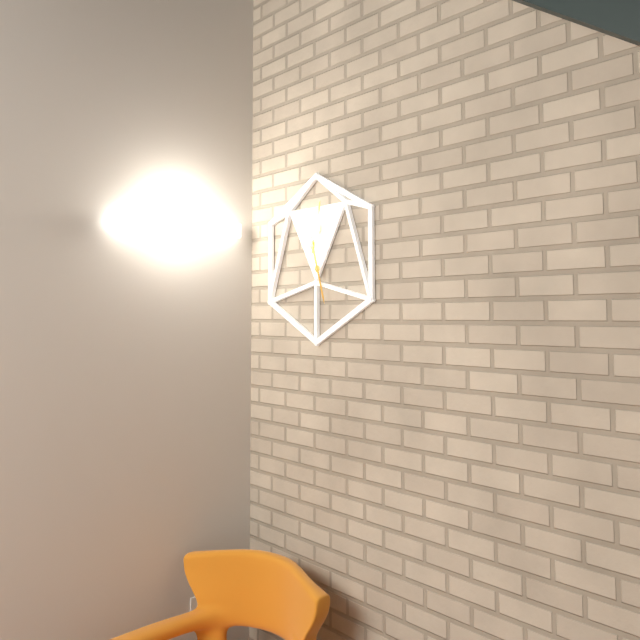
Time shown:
{"hour": 12, "minute": 27}
